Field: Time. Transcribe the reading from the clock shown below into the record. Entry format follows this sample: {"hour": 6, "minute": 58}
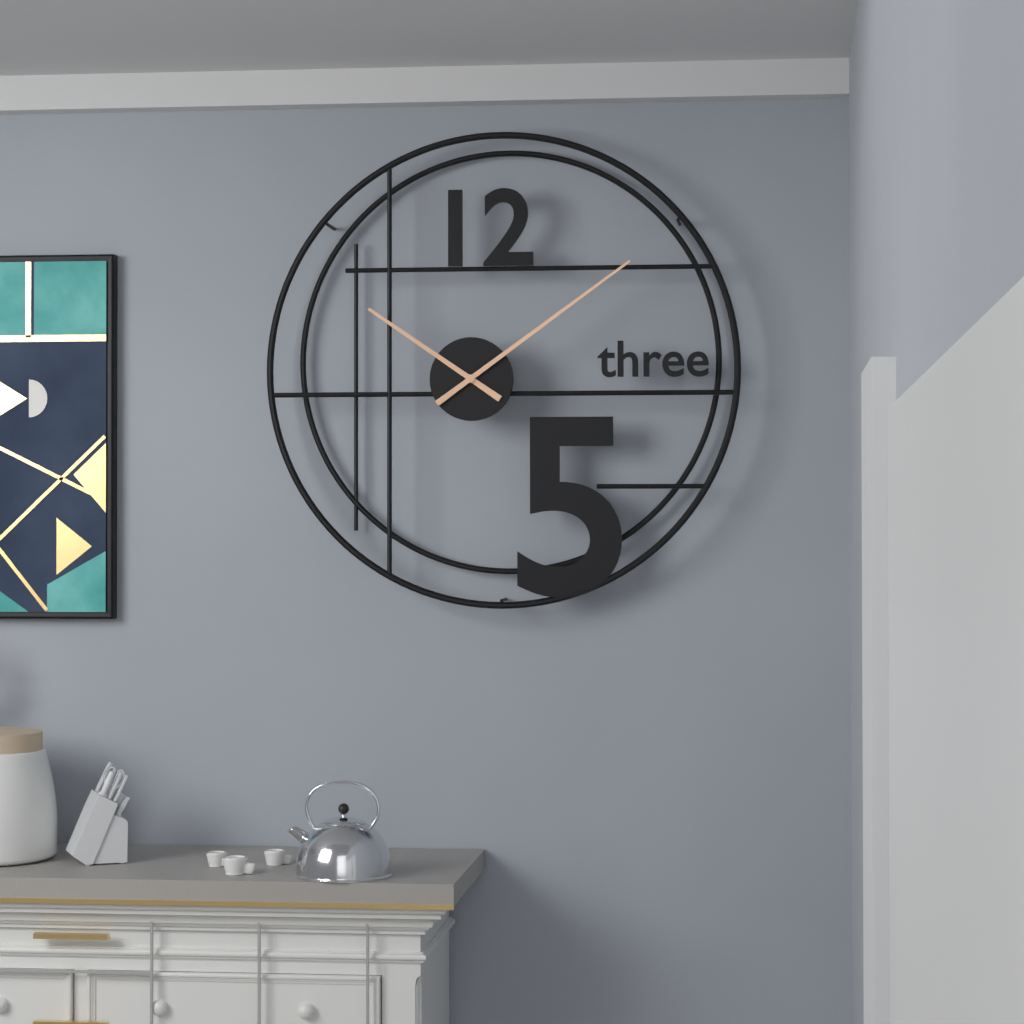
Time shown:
{"hour": 10, "minute": 9}
